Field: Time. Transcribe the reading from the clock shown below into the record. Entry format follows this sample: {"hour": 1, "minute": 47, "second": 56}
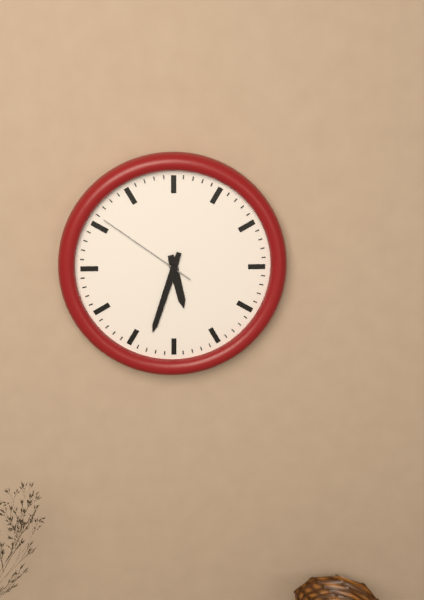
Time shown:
{"hour": 5, "minute": 33, "second": 51}
